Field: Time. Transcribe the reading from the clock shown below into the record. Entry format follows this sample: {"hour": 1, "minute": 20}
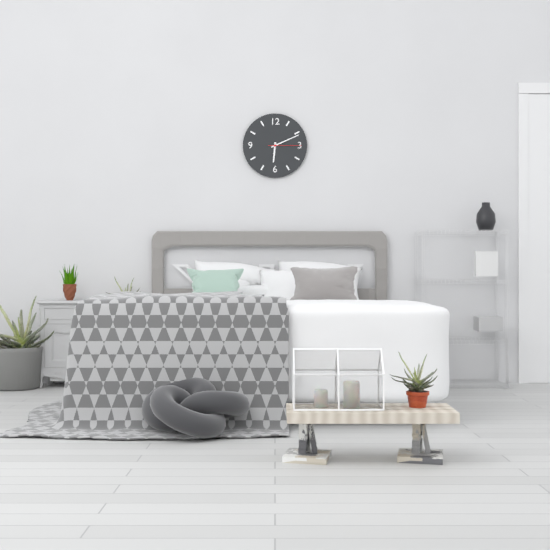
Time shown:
{"hour": 6, "minute": 11}
